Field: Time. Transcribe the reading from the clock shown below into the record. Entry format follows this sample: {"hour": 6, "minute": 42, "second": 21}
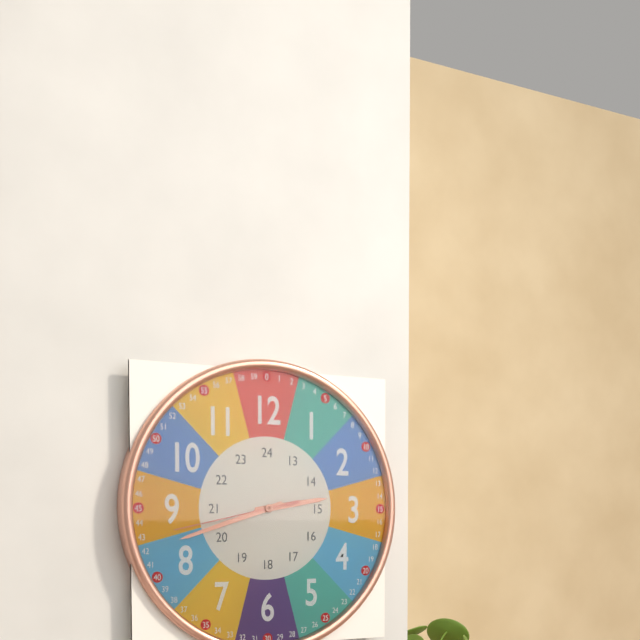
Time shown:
{"hour": 2, "minute": 42, "second": 43}
